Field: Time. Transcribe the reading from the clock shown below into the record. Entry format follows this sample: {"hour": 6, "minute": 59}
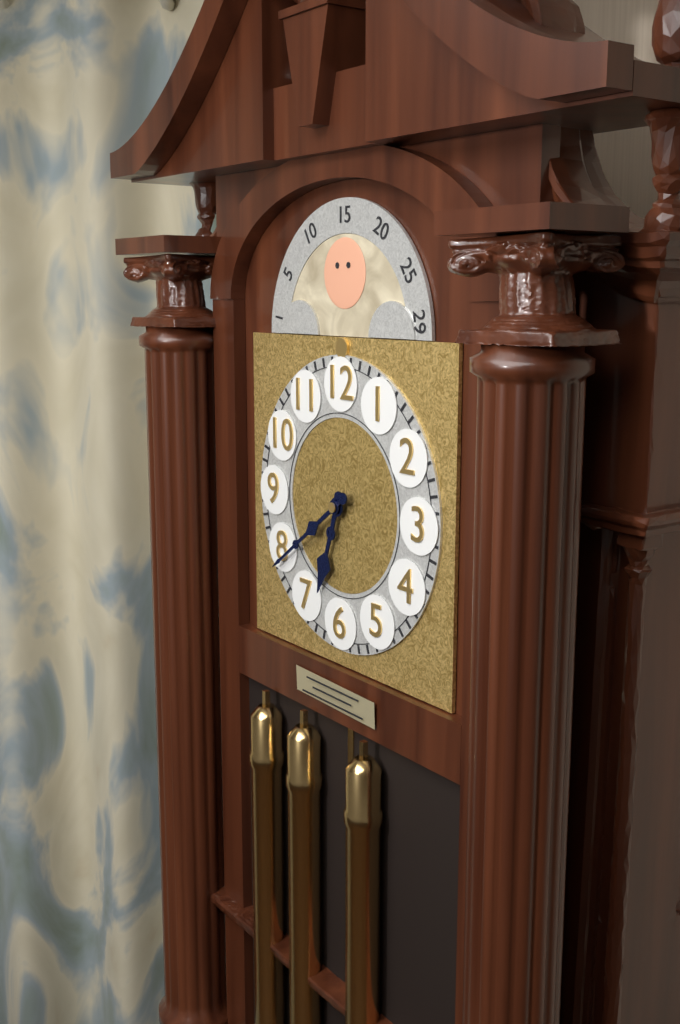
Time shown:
{"hour": 6, "minute": 39}
